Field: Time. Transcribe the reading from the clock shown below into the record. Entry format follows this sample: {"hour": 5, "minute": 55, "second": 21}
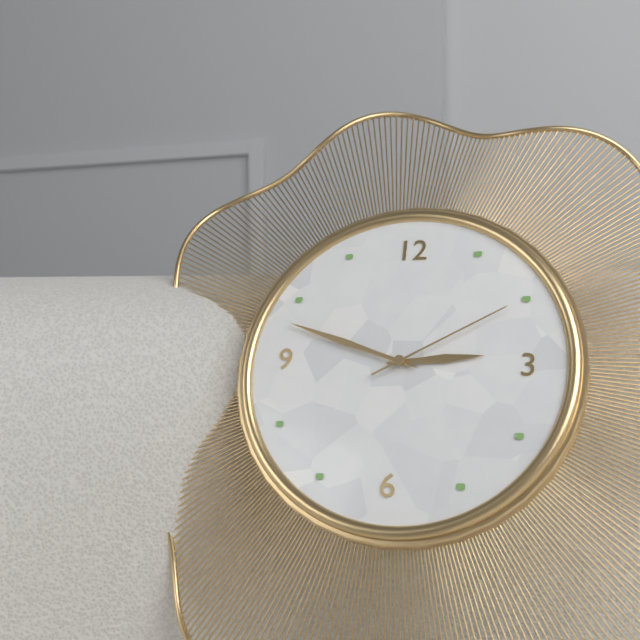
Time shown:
{"hour": 2, "minute": 48, "second": 10}
